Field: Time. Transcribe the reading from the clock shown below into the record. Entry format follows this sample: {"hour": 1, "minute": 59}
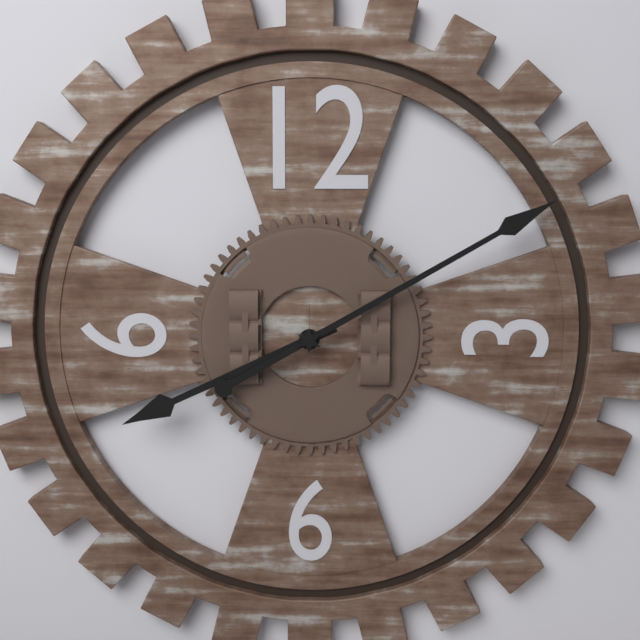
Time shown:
{"hour": 8, "minute": 10}
